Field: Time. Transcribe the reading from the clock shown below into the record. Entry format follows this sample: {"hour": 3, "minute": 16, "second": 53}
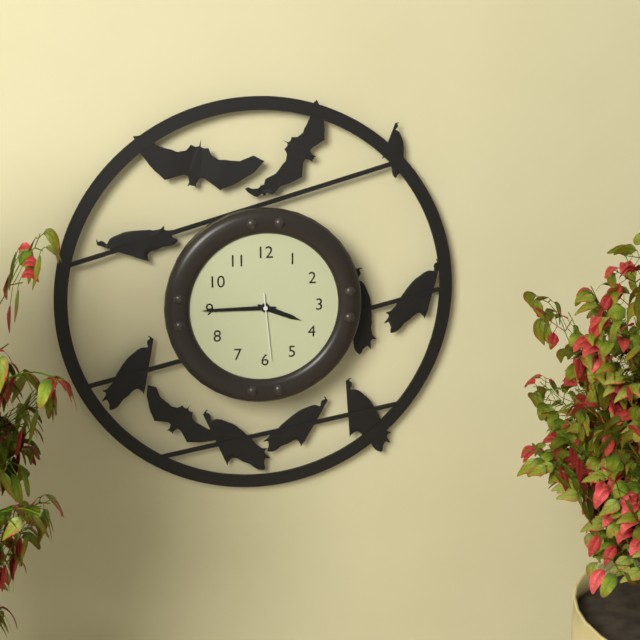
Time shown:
{"hour": 3, "minute": 45, "second": 29}
